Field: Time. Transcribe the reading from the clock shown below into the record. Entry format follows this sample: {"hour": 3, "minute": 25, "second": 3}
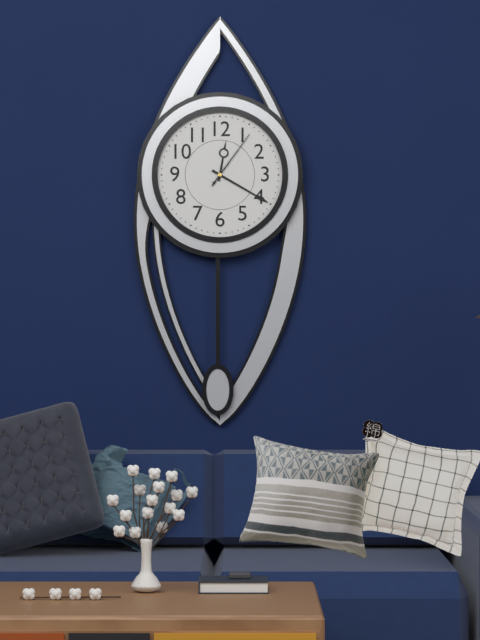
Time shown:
{"hour": 12, "minute": 20, "second": 6}
